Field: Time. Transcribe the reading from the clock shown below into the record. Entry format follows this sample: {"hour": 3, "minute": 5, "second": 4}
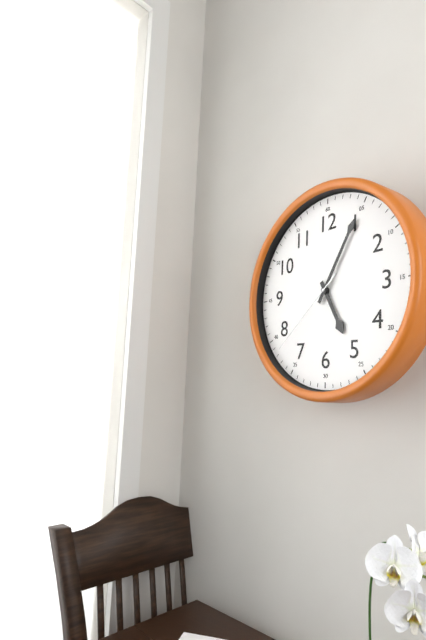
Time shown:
{"hour": 5, "minute": 5, "second": 38}
